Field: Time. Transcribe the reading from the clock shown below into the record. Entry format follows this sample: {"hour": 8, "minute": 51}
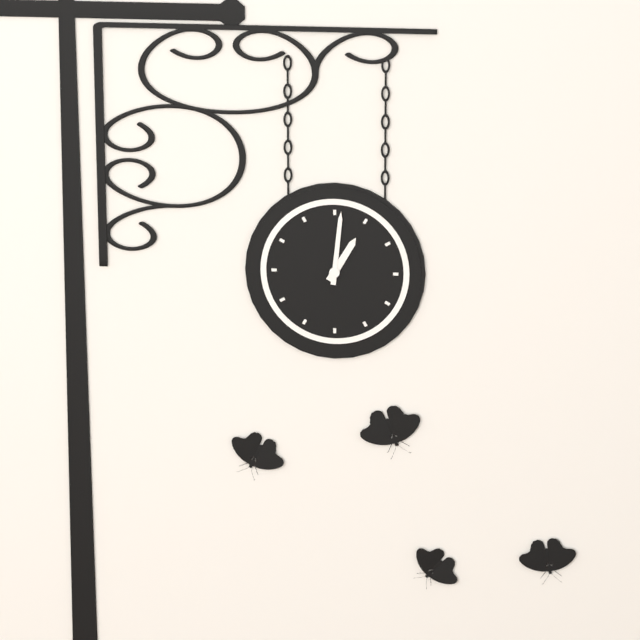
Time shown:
{"hour": 1, "minute": 1}
